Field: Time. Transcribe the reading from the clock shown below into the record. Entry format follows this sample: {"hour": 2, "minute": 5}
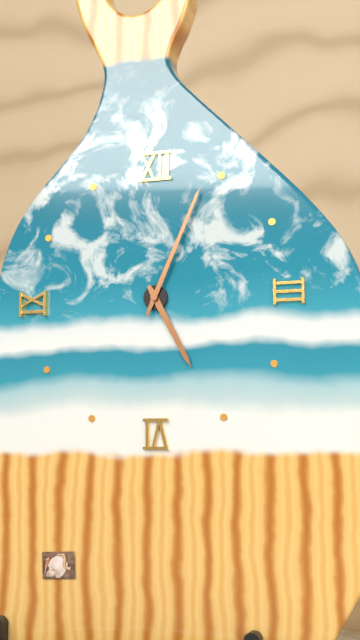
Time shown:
{"hour": 5, "minute": 4}
